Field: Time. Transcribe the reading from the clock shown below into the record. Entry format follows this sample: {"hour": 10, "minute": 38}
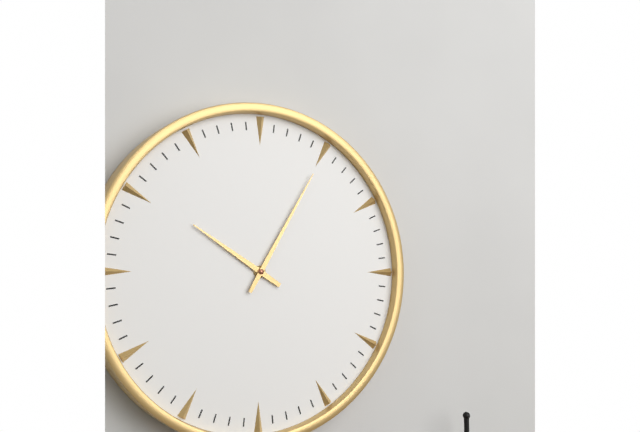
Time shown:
{"hour": 10, "minute": 5}
